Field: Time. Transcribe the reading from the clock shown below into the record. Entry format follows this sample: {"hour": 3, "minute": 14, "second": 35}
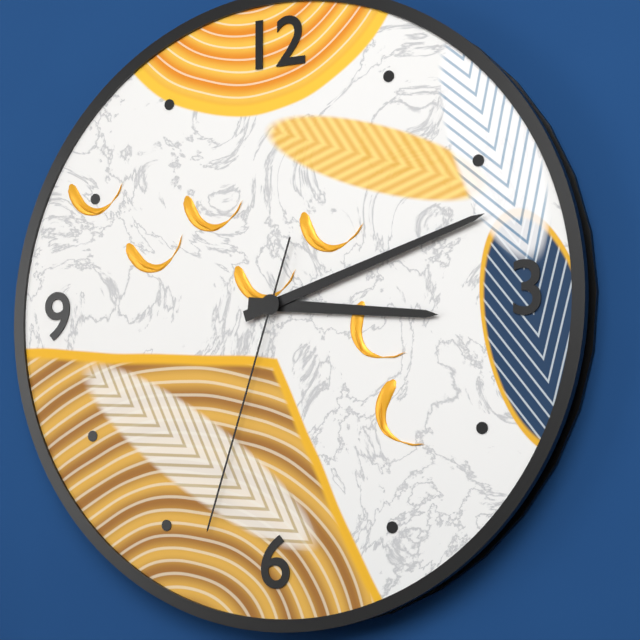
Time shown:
{"hour": 3, "minute": 12, "second": 33}
